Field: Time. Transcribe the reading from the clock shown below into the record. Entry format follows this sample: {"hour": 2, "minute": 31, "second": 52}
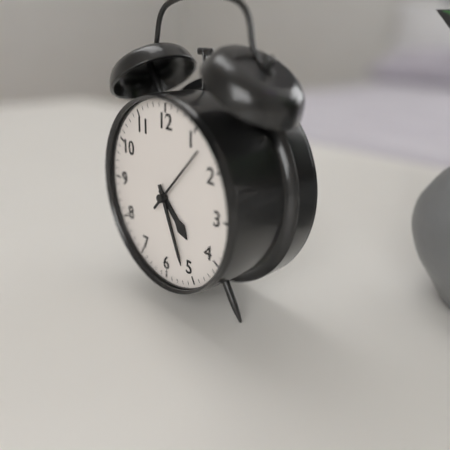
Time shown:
{"hour": 4, "minute": 26, "second": 7}
